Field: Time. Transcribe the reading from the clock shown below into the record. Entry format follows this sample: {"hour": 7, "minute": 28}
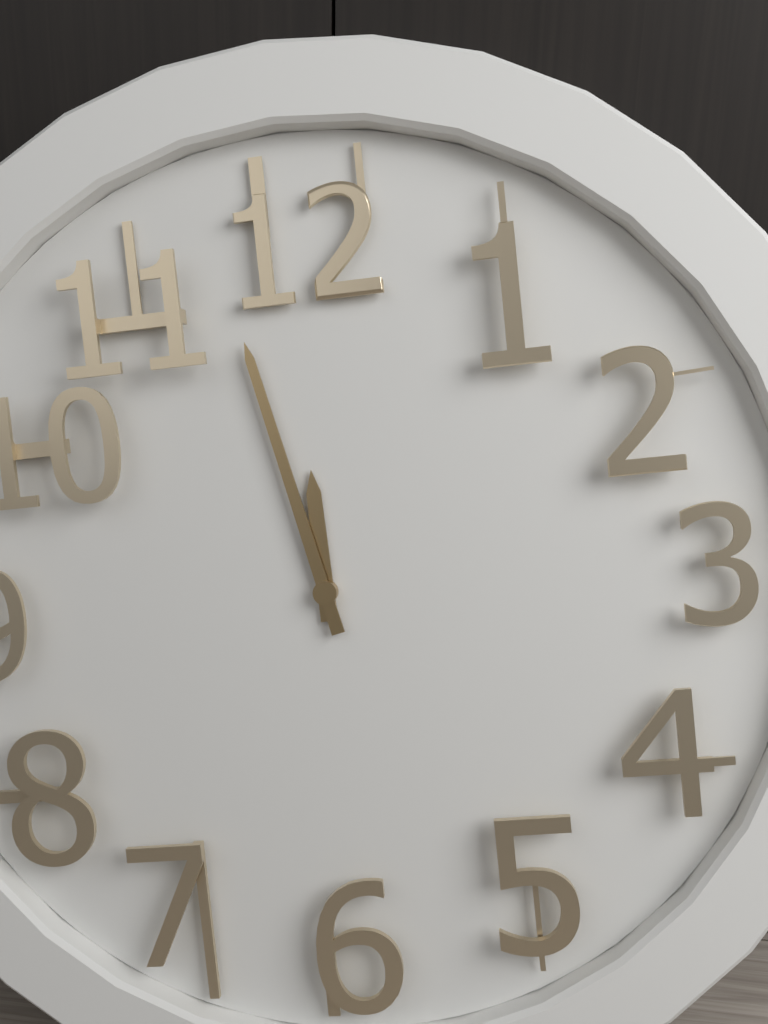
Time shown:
{"hour": 11, "minute": 58}
